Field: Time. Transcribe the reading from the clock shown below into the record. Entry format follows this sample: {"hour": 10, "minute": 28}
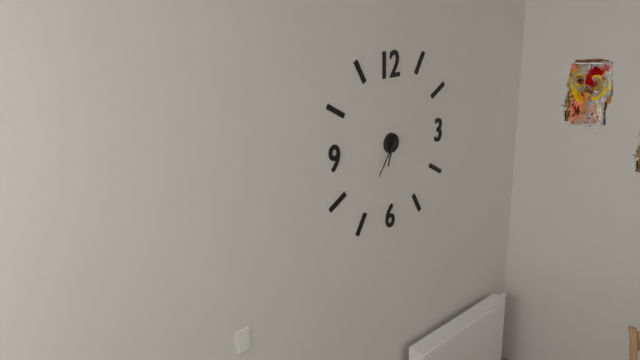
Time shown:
{"hour": 6, "minute": 36}
